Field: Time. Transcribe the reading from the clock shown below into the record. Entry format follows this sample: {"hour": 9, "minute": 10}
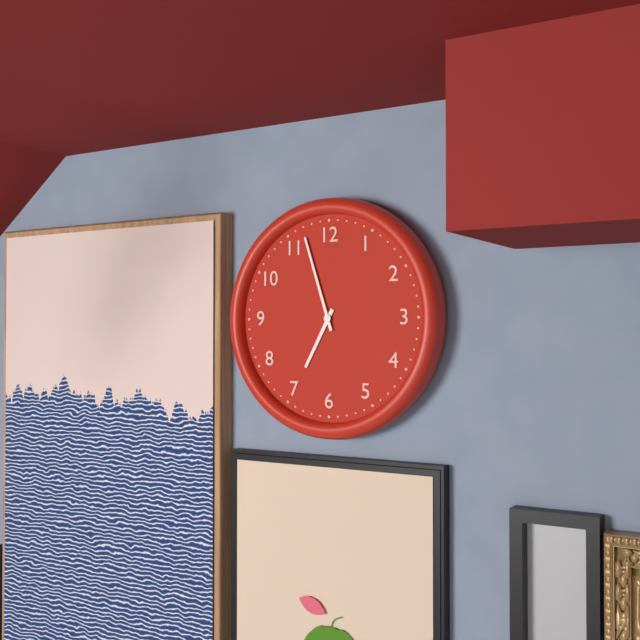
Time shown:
{"hour": 6, "minute": 57}
